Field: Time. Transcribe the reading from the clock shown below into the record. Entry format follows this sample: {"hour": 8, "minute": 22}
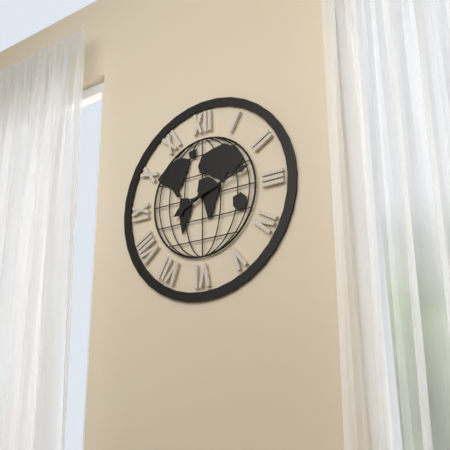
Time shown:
{"hour": 8, "minute": 12}
